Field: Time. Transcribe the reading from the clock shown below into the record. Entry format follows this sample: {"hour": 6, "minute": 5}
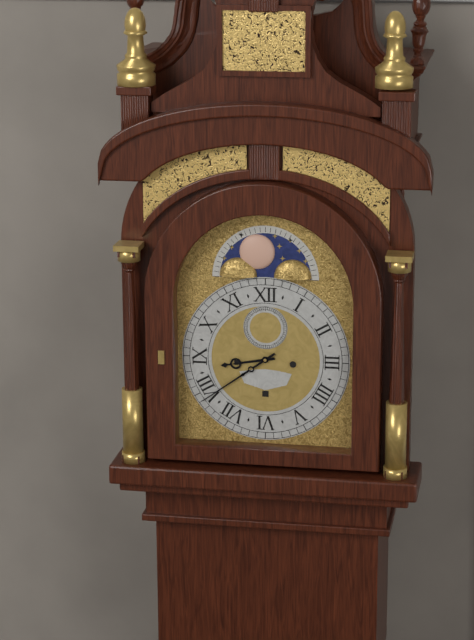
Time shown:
{"hour": 8, "minute": 39}
